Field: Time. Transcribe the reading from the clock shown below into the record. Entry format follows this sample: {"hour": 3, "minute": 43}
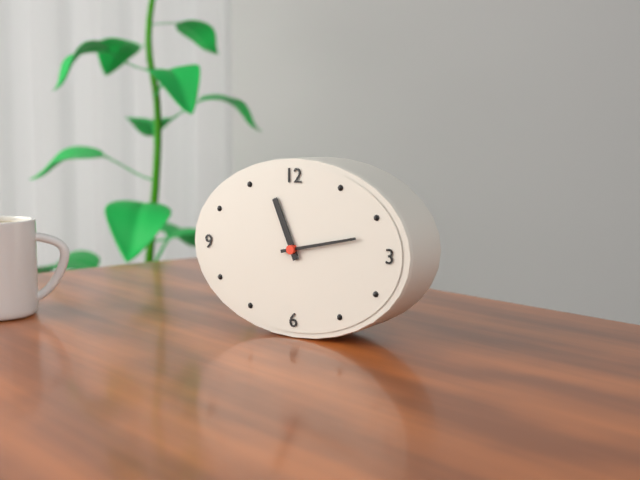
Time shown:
{"hour": 11, "minute": 13}
